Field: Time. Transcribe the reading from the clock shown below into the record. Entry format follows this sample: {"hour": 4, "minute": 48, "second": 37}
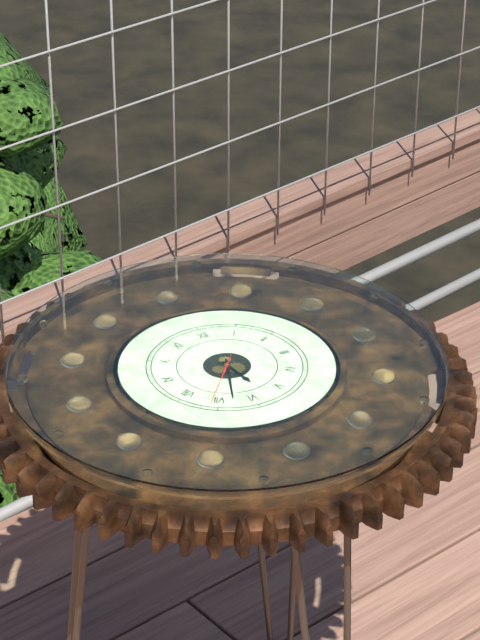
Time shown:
{"hour": 5, "minute": 33, "second": 36}
